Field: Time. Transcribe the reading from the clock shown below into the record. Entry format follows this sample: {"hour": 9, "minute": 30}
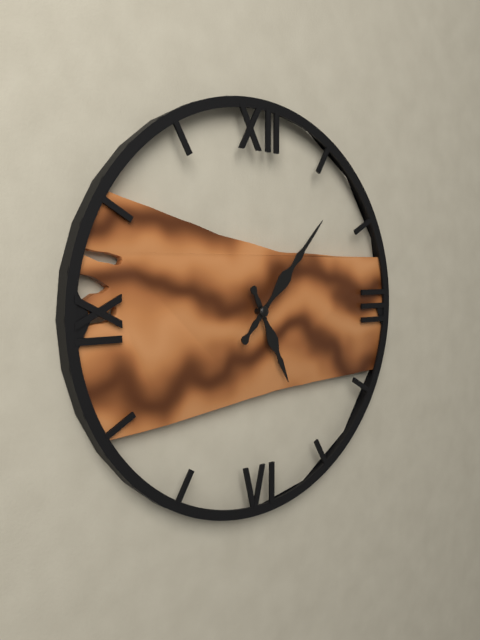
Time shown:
{"hour": 5, "minute": 7}
